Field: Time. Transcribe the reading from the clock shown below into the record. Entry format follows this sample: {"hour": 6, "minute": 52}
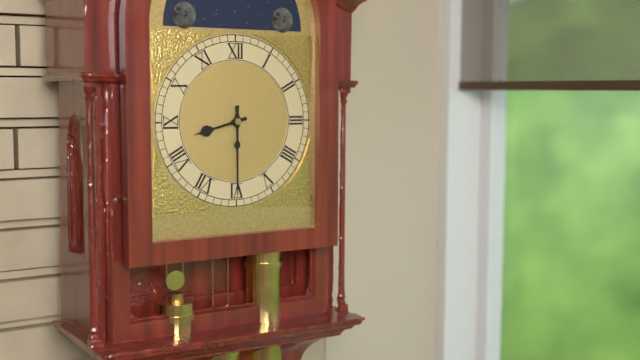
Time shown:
{"hour": 8, "minute": 30}
